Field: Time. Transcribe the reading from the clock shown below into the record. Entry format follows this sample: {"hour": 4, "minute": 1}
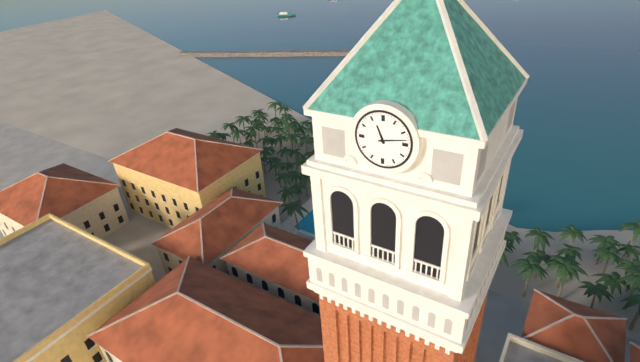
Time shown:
{"hour": 11, "minute": 13}
